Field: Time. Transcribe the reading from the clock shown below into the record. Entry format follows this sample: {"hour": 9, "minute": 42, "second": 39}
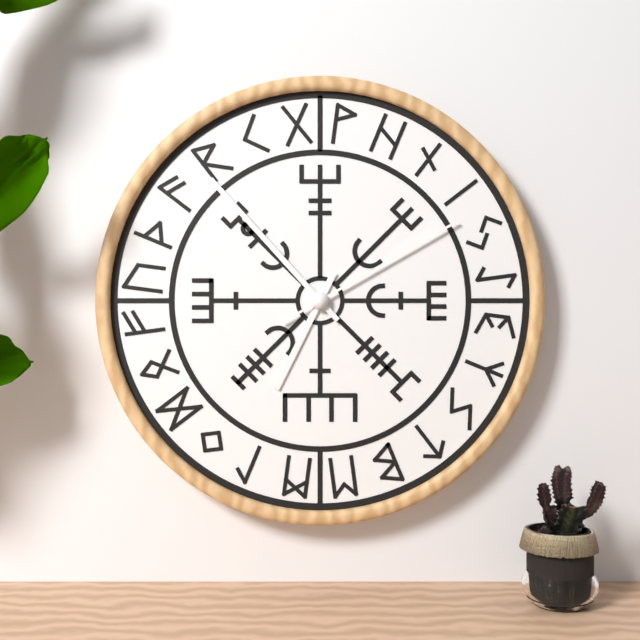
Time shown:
{"hour": 6, "minute": 53, "second": 10}
